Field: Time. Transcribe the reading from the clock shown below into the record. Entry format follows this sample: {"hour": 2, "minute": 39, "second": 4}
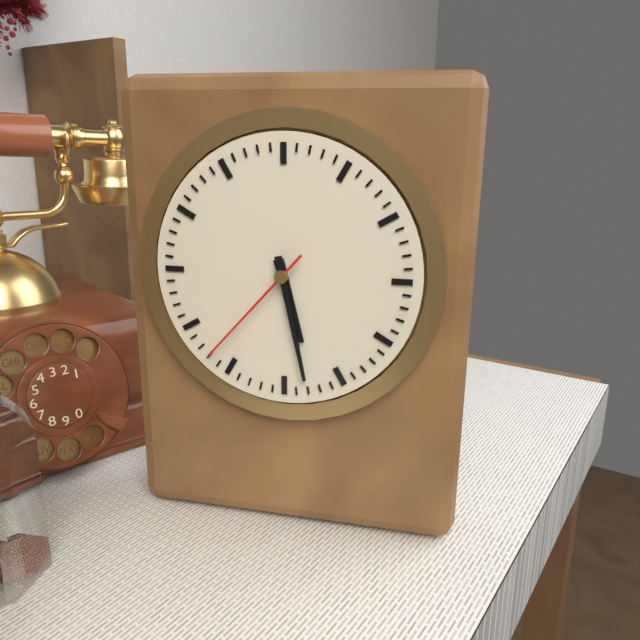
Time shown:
{"hour": 5, "minute": 28, "second": 37}
